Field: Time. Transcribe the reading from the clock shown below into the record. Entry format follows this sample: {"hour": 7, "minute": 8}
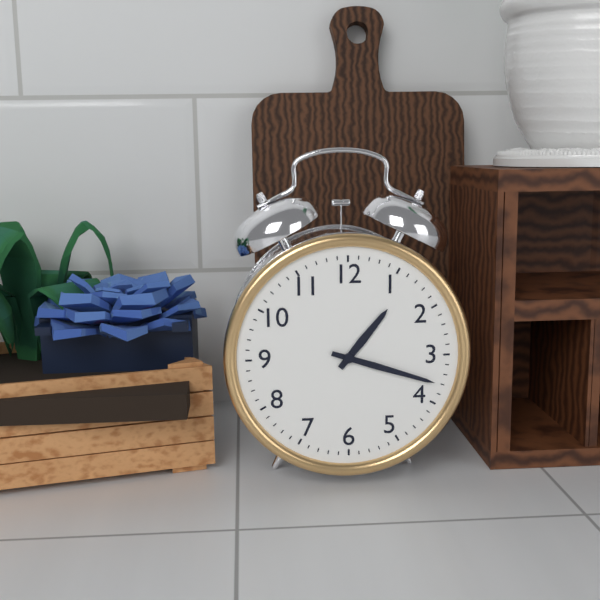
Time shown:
{"hour": 1, "minute": 18}
